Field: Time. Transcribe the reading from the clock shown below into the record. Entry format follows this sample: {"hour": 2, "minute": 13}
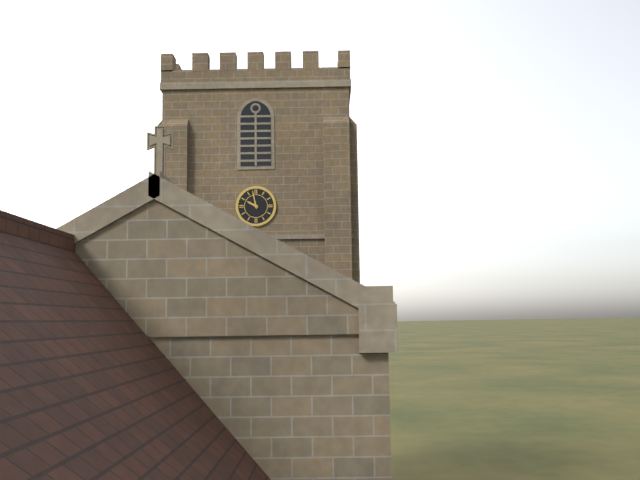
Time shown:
{"hour": 9, "minute": 58}
